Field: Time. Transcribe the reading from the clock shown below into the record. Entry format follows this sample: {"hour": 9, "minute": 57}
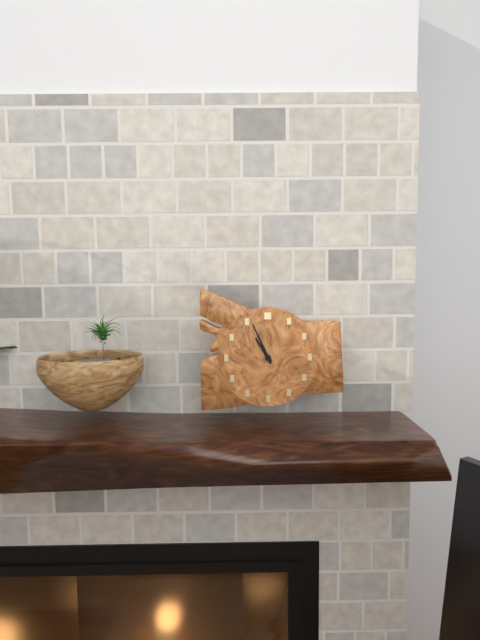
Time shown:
{"hour": 10, "minute": 56}
